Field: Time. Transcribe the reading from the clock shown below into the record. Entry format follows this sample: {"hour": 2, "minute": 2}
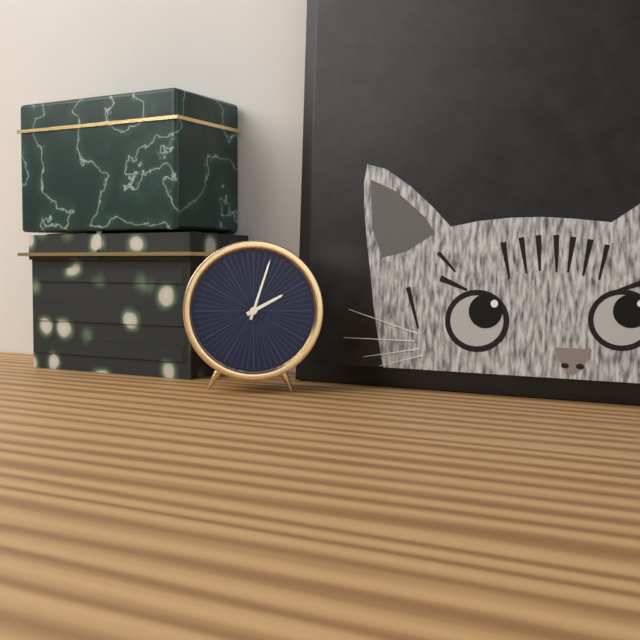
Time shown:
{"hour": 2, "minute": 3}
